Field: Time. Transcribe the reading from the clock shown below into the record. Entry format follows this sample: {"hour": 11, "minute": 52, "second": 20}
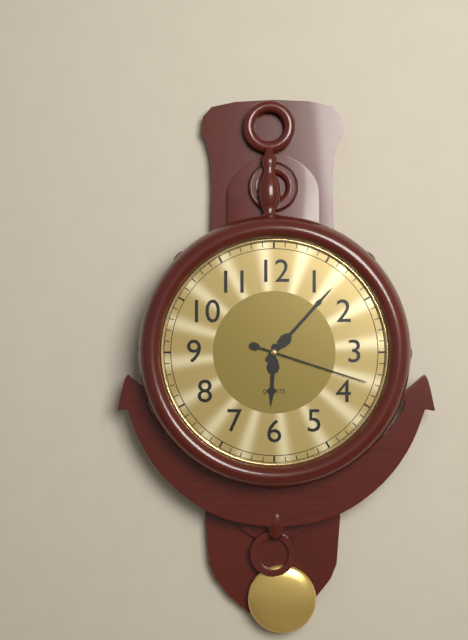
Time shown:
{"hour": 6, "minute": 7, "second": 18}
